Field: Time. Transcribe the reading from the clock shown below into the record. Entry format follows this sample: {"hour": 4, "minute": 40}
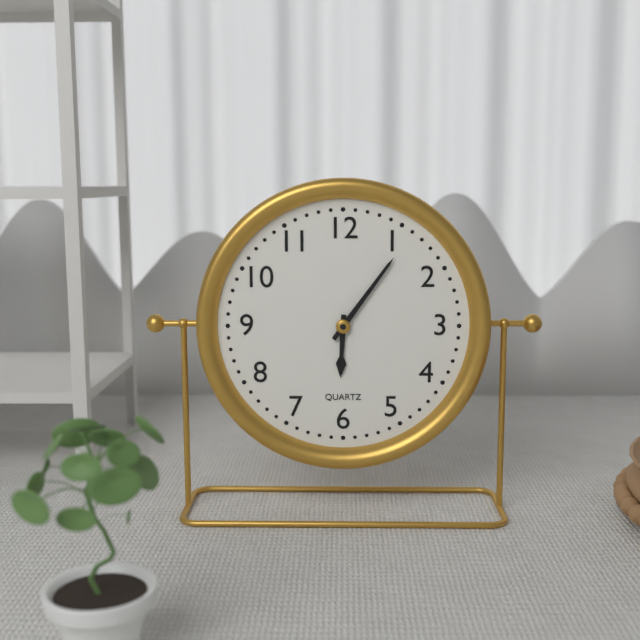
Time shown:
{"hour": 6, "minute": 6}
